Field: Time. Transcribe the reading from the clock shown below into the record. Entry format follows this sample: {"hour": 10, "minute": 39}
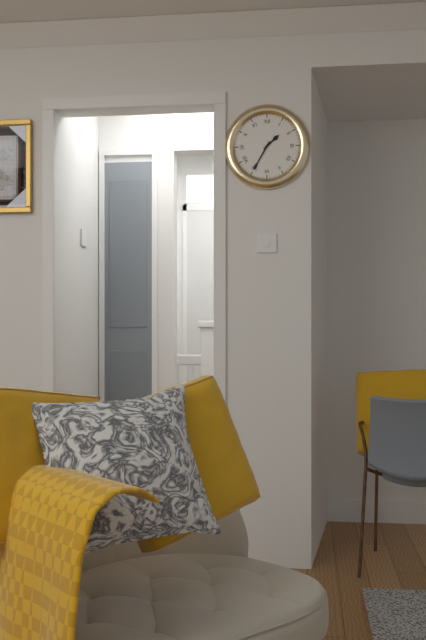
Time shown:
{"hour": 1, "minute": 35}
